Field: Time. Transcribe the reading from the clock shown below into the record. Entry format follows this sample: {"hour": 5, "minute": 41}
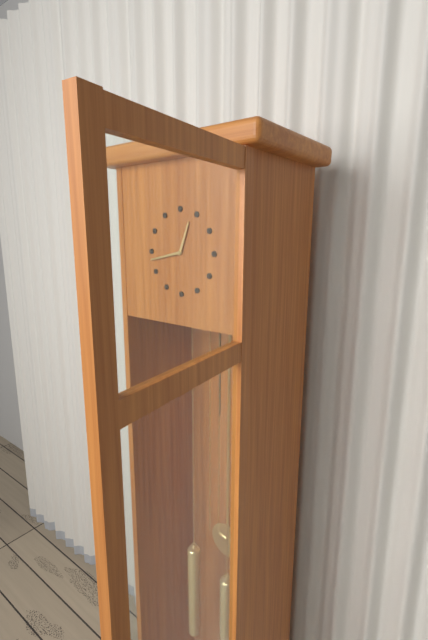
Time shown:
{"hour": 12, "minute": 43}
